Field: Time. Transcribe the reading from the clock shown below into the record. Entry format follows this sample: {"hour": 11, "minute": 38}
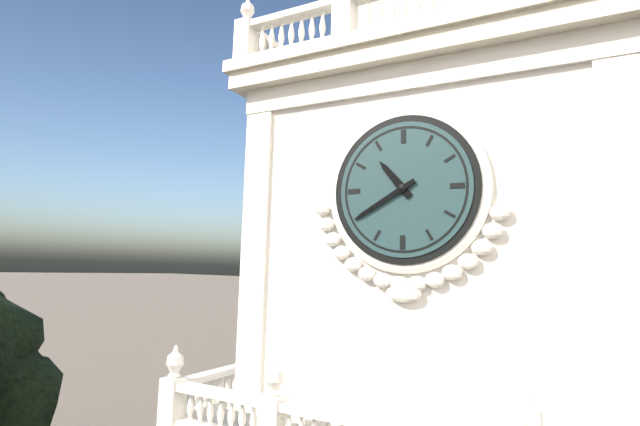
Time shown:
{"hour": 10, "minute": 40}
